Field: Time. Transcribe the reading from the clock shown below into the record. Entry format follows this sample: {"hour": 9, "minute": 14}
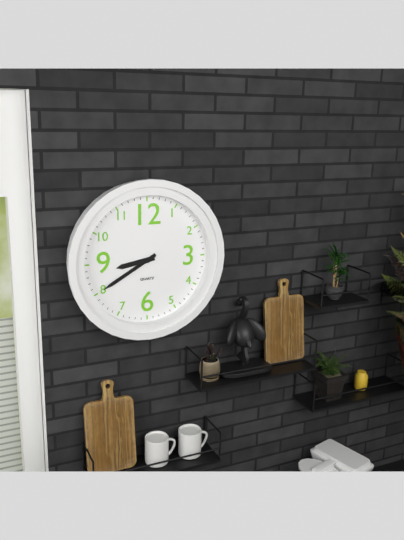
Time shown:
{"hour": 8, "minute": 40}
